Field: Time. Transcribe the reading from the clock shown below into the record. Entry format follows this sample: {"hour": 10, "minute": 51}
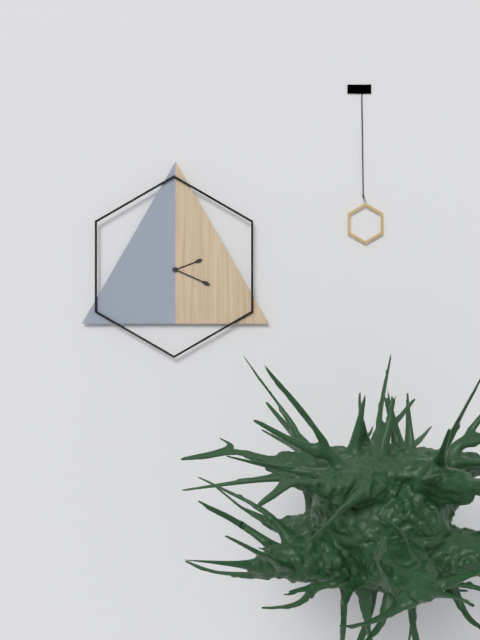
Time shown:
{"hour": 2, "minute": 19}
